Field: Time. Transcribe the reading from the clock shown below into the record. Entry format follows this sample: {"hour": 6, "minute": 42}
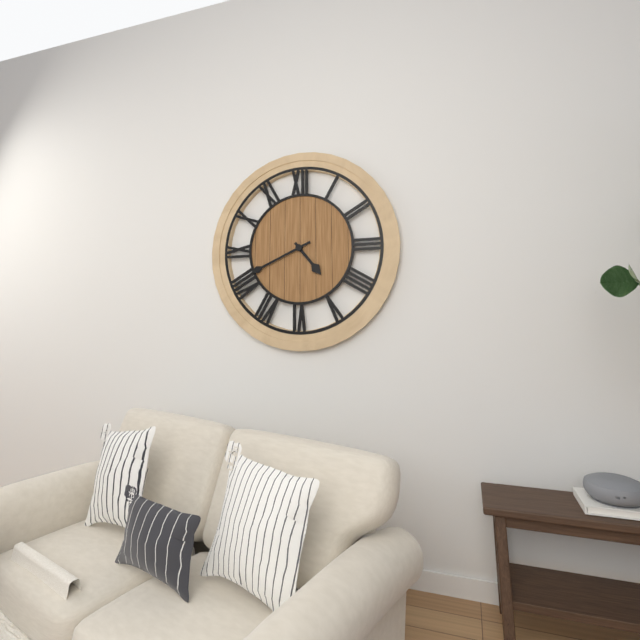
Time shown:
{"hour": 4, "minute": 41}
